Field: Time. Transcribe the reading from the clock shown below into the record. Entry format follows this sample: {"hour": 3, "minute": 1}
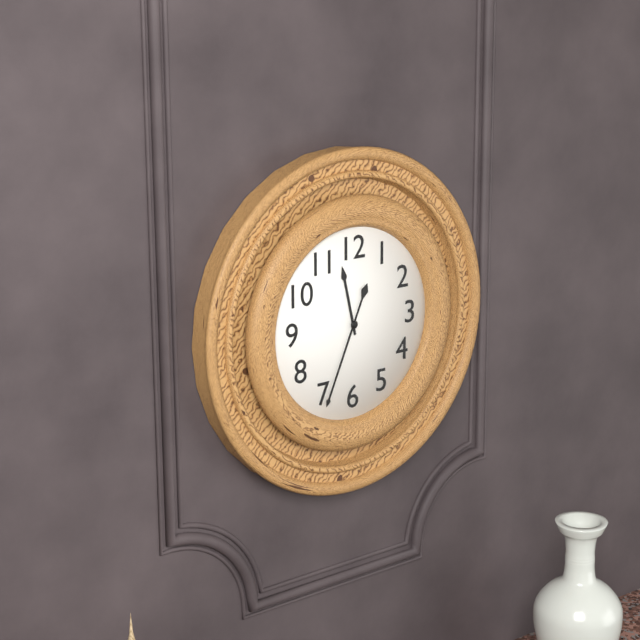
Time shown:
{"hour": 11, "minute": 34}
